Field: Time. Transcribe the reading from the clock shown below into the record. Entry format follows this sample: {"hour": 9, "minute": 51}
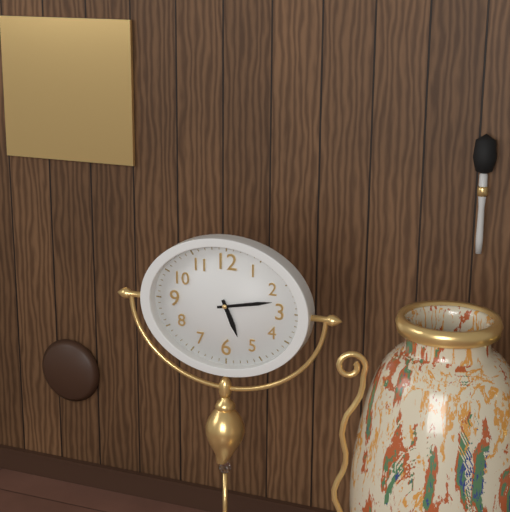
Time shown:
{"hour": 5, "minute": 13}
